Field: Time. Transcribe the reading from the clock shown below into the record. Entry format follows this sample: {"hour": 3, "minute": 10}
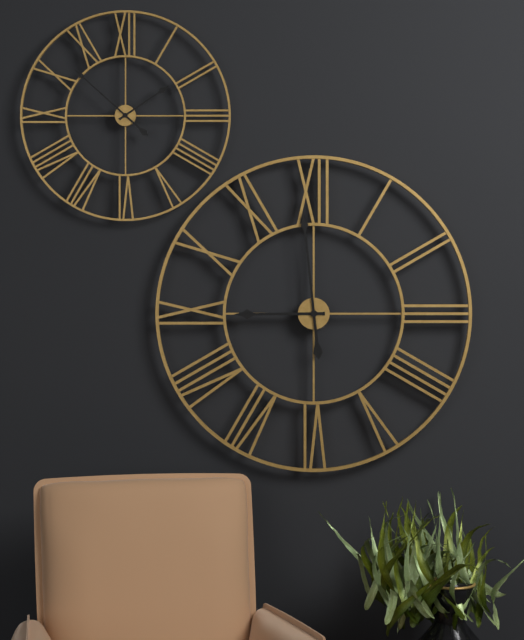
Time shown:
{"hour": 8, "minute": 59}
